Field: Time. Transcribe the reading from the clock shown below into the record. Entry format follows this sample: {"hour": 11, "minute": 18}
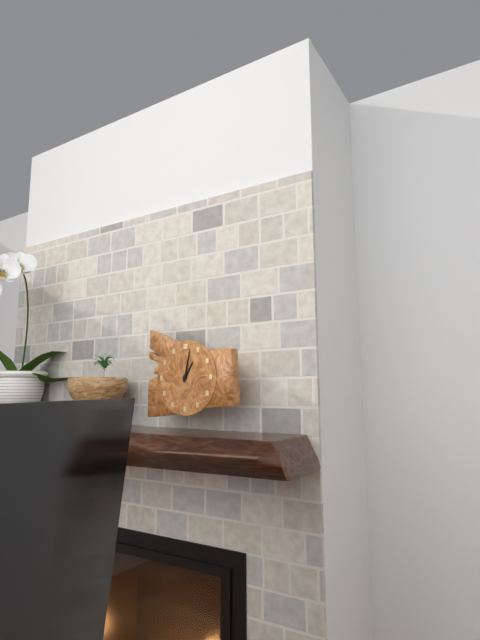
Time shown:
{"hour": 1, "minute": 2}
